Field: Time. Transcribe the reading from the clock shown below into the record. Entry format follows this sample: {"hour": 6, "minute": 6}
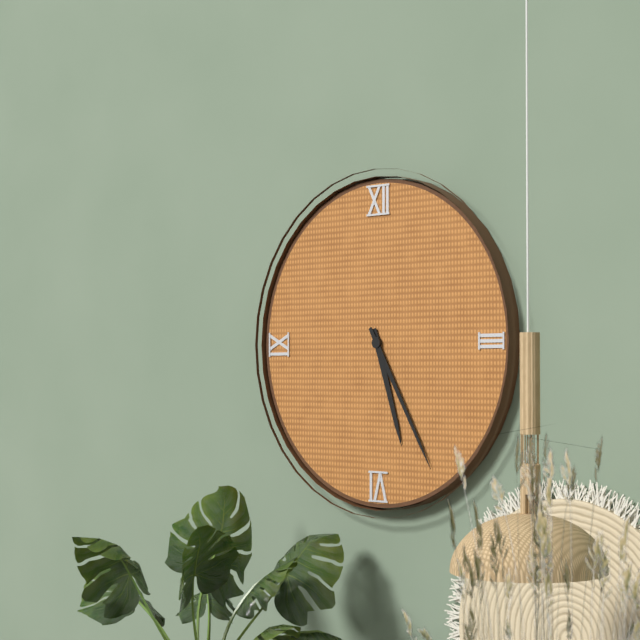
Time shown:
{"hour": 5, "minute": 25}
